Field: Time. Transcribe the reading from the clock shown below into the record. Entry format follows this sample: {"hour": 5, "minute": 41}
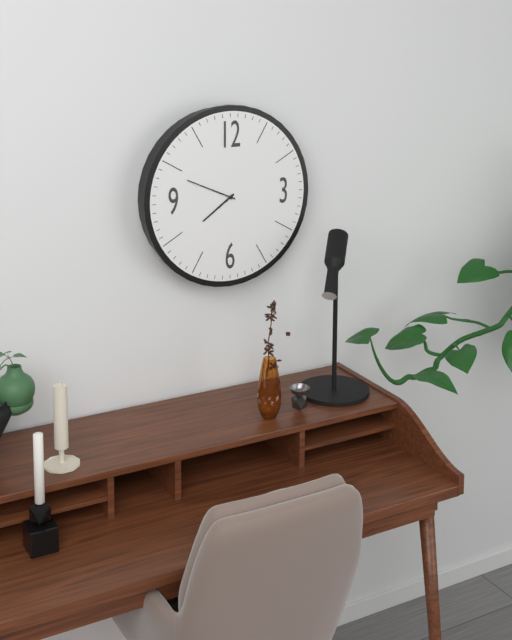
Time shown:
{"hour": 7, "minute": 49}
